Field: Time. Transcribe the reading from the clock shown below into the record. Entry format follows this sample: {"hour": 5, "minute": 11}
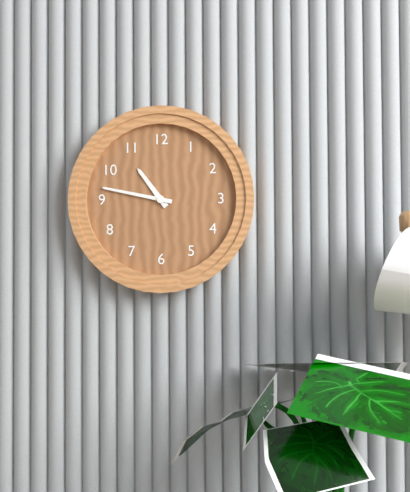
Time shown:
{"hour": 10, "minute": 47}
